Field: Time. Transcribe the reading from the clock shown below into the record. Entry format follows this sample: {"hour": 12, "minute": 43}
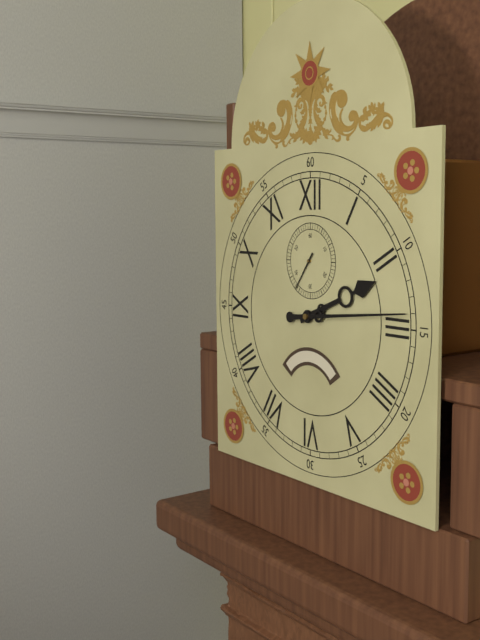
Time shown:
{"hour": 2, "minute": 14}
